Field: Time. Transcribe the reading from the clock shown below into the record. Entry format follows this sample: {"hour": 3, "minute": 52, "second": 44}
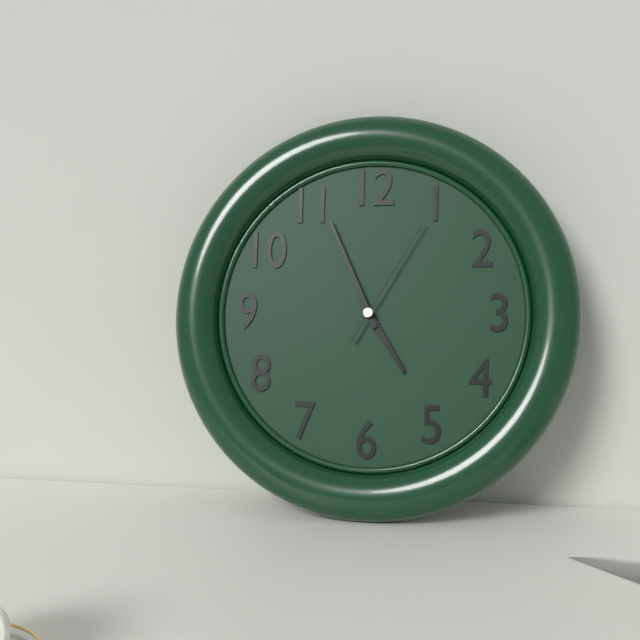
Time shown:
{"hour": 4, "minute": 56, "second": 5}
